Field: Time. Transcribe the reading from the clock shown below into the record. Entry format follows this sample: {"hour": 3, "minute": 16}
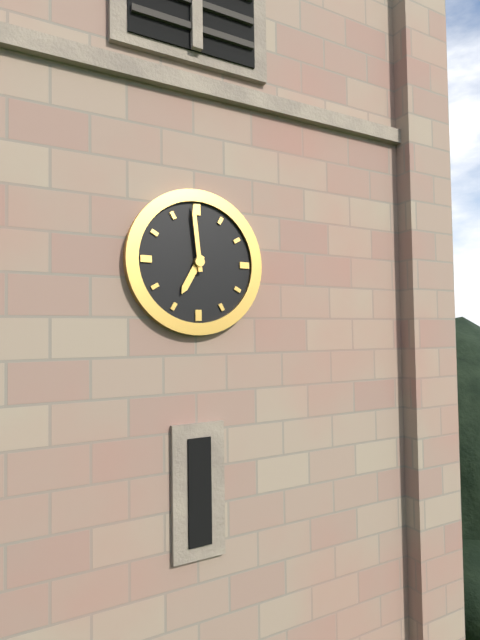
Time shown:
{"hour": 6, "minute": 59}
